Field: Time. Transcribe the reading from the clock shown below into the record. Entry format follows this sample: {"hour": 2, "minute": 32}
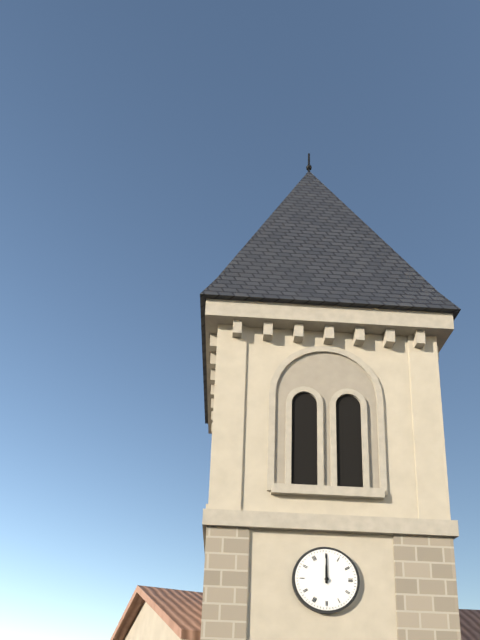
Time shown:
{"hour": 12, "minute": 0}
